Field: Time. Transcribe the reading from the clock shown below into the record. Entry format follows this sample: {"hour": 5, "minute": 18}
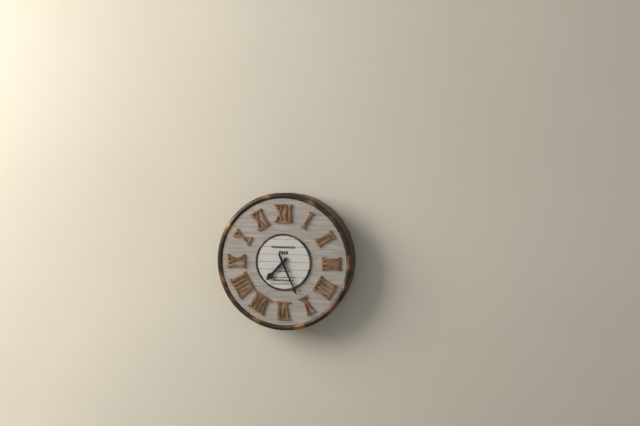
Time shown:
{"hour": 7, "minute": 26}
